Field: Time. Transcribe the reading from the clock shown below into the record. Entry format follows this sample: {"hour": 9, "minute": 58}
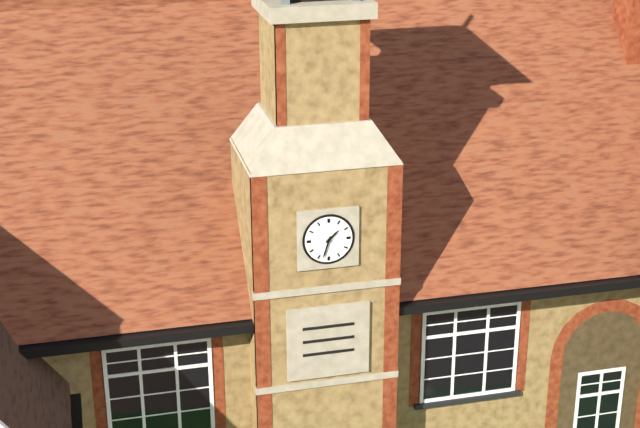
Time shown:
{"hour": 1, "minute": 33}
